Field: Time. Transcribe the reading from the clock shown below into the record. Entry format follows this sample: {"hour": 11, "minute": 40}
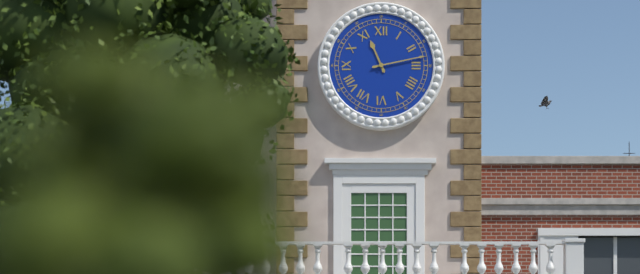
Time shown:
{"hour": 11, "minute": 13}
